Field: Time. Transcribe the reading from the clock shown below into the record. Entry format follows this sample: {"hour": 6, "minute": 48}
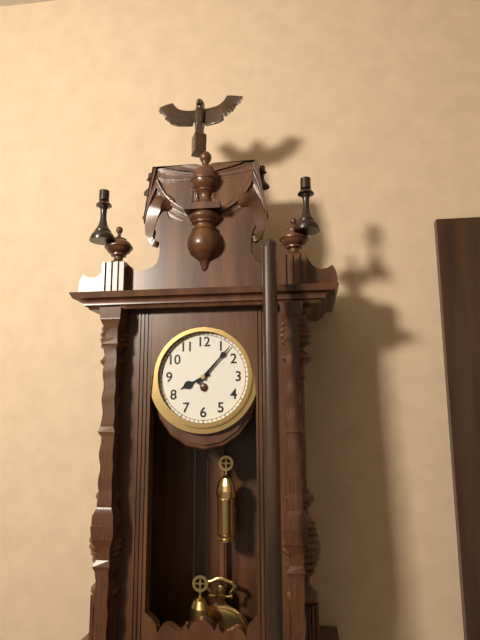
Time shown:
{"hour": 8, "minute": 7}
